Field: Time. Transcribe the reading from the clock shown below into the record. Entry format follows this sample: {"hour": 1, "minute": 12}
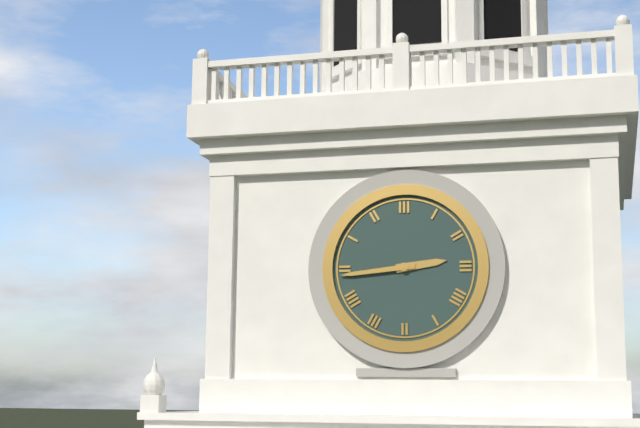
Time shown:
{"hour": 2, "minute": 44}
